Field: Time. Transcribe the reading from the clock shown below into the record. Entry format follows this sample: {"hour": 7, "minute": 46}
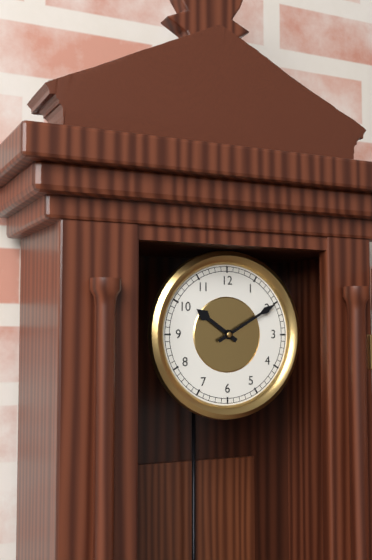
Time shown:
{"hour": 10, "minute": 10}
